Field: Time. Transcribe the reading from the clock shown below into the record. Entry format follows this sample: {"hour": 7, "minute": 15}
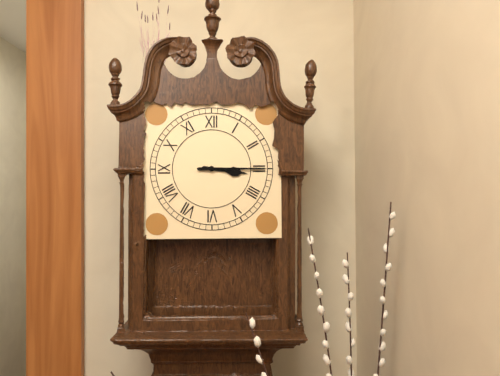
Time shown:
{"hour": 3, "minute": 15}
